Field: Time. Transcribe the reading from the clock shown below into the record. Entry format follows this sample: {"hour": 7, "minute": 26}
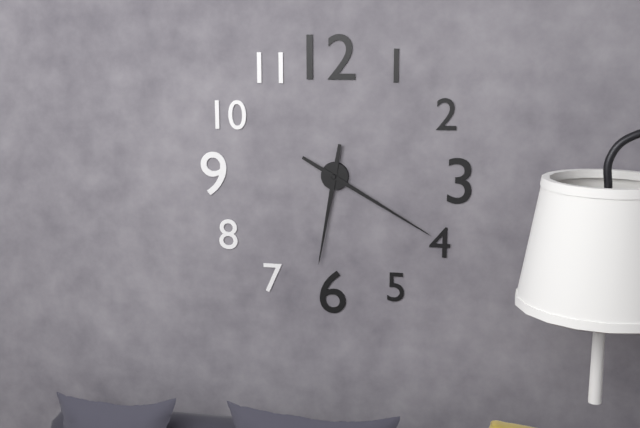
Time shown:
{"hour": 6, "minute": 20}
